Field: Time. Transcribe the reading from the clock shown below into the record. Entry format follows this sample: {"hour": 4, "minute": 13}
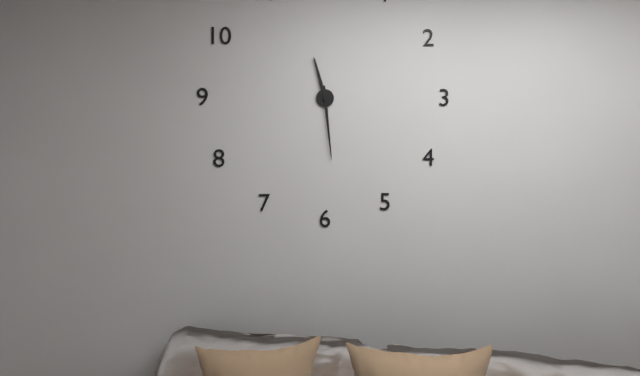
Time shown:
{"hour": 11, "minute": 29}
